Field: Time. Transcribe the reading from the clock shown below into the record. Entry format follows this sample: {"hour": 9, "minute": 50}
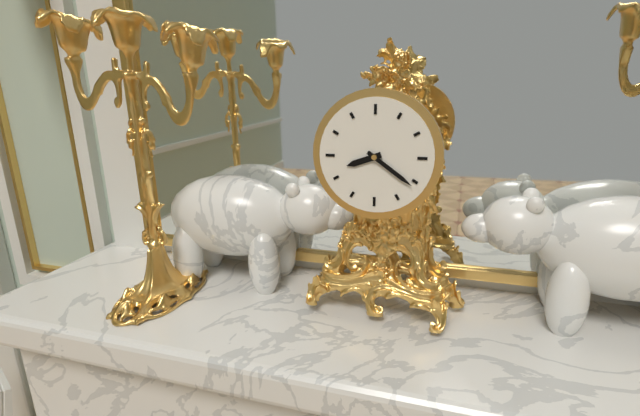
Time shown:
{"hour": 8, "minute": 21}
